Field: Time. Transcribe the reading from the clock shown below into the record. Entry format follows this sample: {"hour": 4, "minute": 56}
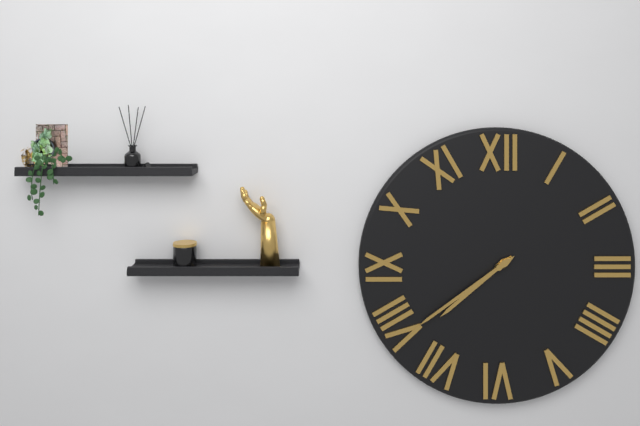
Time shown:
{"hour": 7, "minute": 39}
